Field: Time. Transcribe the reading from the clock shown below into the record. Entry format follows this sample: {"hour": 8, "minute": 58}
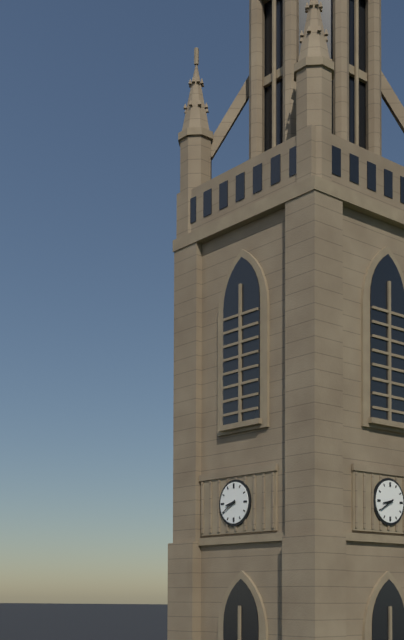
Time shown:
{"hour": 8, "minute": 40}
